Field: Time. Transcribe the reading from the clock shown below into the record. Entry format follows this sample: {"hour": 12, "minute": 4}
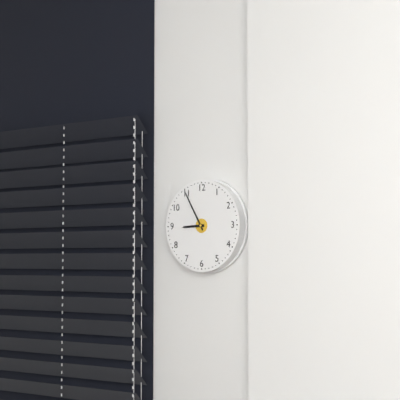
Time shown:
{"hour": 8, "minute": 55}
